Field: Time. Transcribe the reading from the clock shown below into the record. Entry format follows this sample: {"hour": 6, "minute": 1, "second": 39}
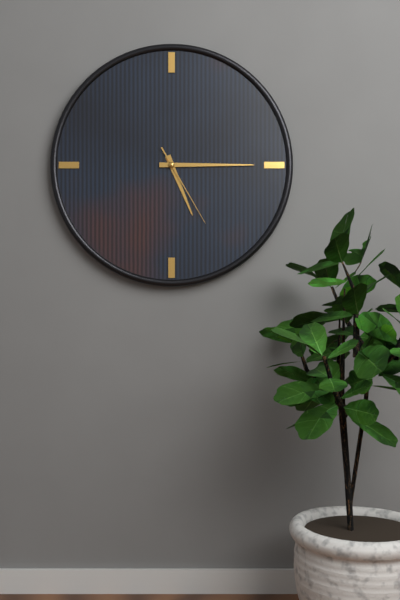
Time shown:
{"hour": 5, "minute": 15, "second": 25}
